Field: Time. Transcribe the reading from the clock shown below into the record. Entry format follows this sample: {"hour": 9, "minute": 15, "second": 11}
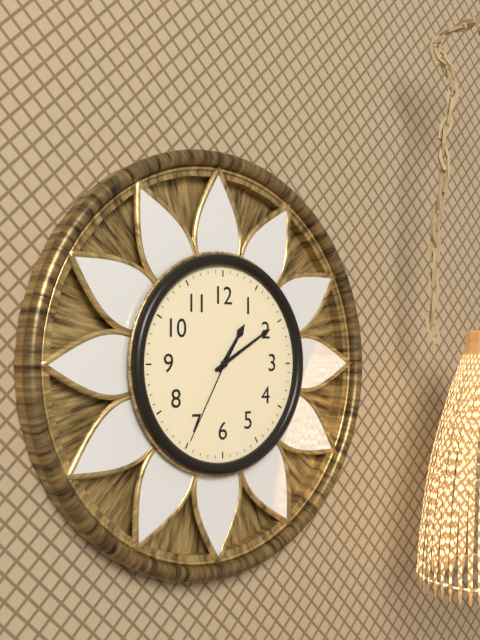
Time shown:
{"hour": 1, "minute": 10, "second": 35}
